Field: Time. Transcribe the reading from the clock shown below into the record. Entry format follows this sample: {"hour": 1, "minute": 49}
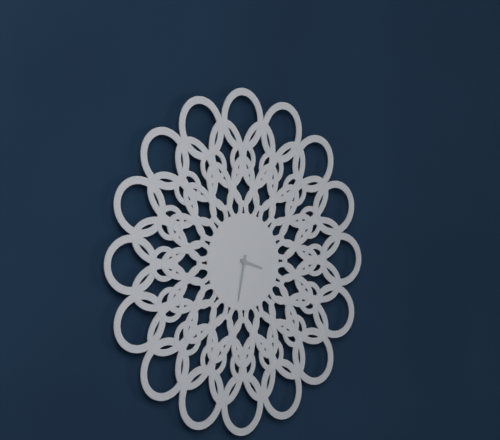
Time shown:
{"hour": 3, "minute": 32}
